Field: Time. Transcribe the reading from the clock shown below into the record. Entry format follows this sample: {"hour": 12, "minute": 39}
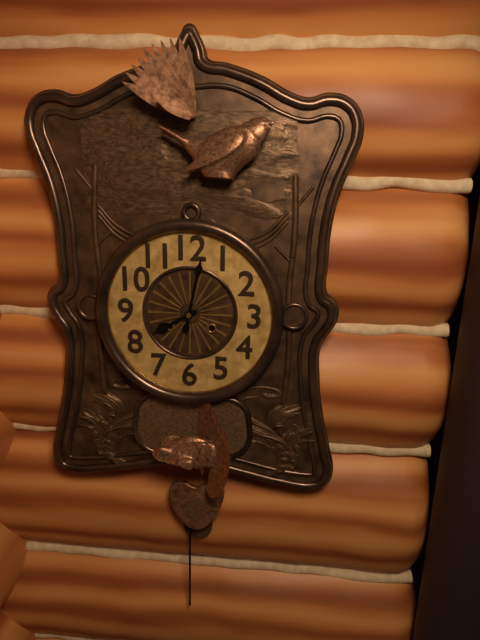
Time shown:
{"hour": 8, "minute": 2}
